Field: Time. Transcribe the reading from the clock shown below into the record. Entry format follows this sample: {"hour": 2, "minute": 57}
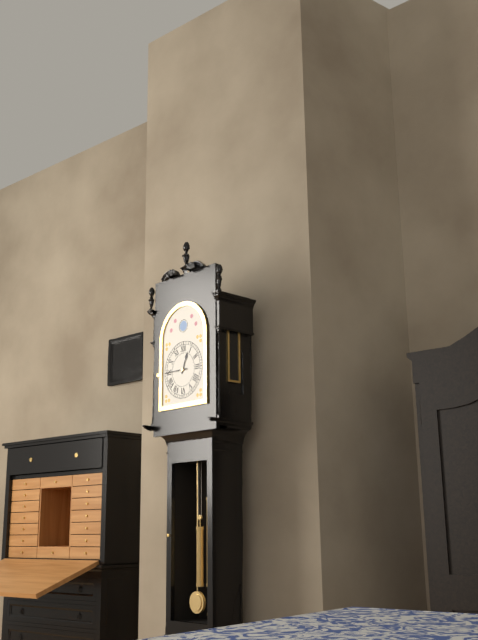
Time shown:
{"hour": 12, "minute": 45}
